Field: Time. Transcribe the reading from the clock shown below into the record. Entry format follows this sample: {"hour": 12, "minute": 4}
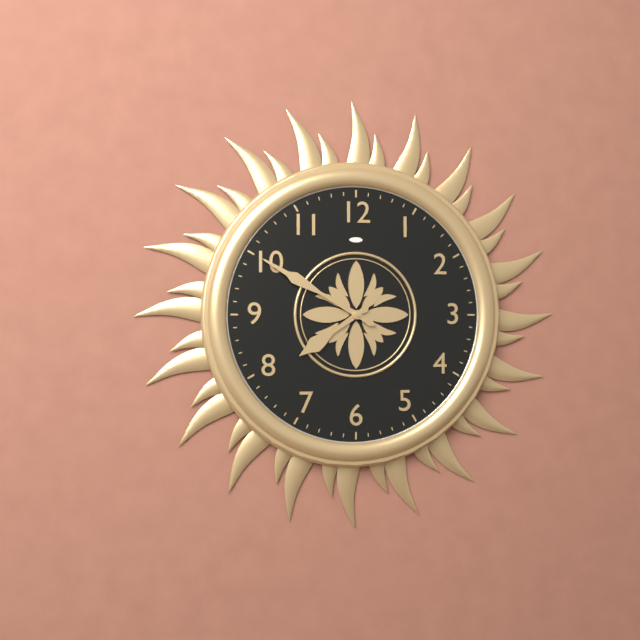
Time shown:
{"hour": 7, "minute": 50}
